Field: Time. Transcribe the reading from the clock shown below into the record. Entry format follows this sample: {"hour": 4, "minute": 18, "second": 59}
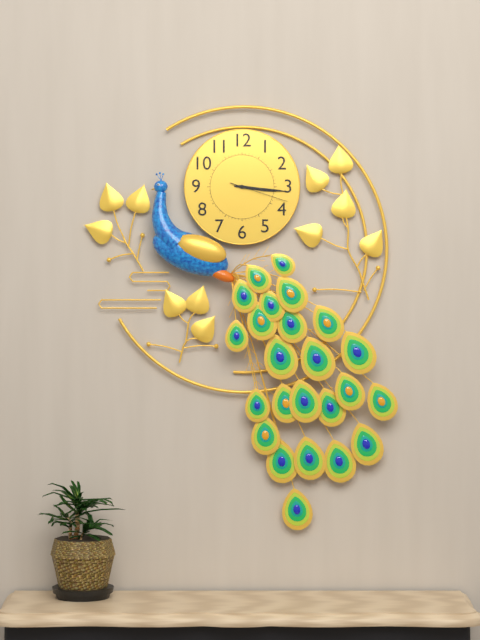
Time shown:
{"hour": 3, "minute": 16, "second": 18}
